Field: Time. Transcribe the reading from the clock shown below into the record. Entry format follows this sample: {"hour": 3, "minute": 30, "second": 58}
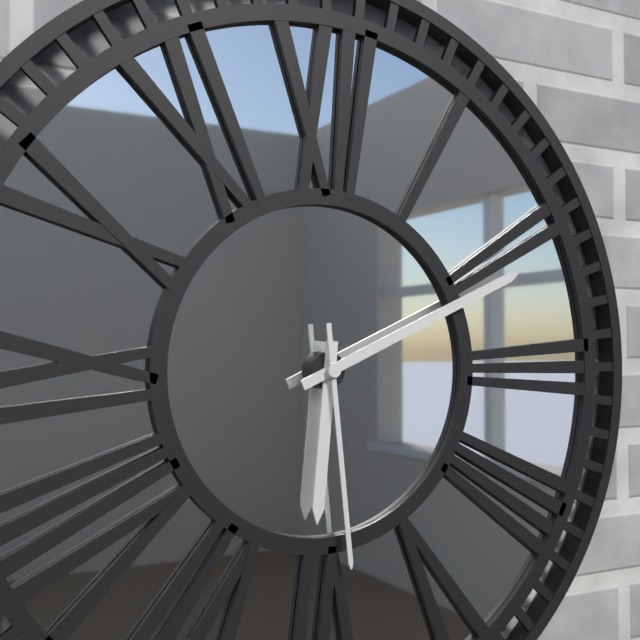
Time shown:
{"hour": 6, "minute": 11, "second": 29}
